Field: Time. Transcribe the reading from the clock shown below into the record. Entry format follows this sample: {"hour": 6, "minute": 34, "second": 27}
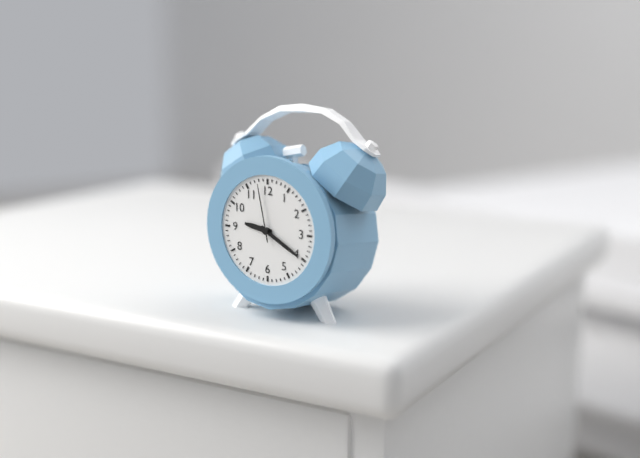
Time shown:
{"hour": 9, "minute": 20, "second": 58}
